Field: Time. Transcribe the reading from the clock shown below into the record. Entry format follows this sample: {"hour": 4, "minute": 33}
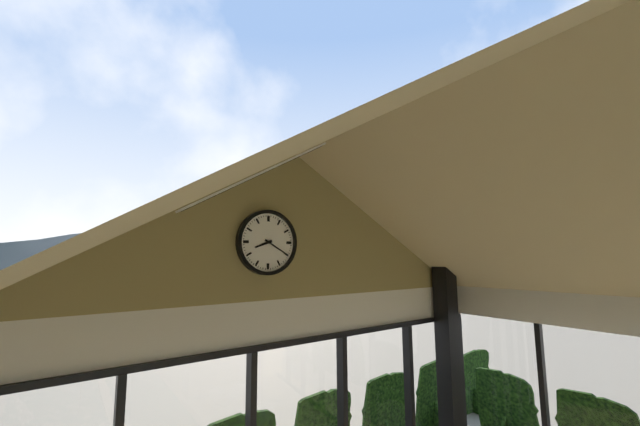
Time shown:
{"hour": 8, "minute": 20}
